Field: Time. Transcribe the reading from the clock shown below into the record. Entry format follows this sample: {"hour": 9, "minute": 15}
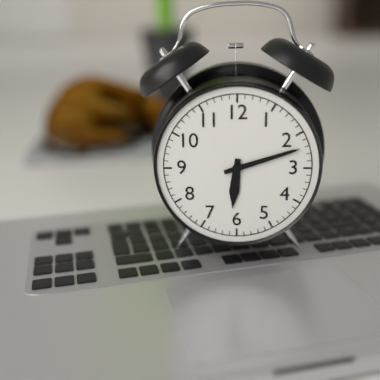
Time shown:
{"hour": 6, "minute": 12}
